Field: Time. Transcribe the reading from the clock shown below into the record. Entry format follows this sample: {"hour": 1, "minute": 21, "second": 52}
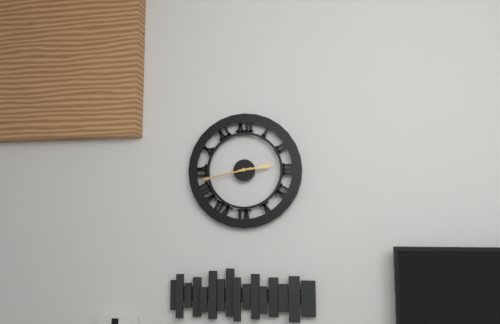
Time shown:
{"hour": 2, "minute": 43, "second": 43}
